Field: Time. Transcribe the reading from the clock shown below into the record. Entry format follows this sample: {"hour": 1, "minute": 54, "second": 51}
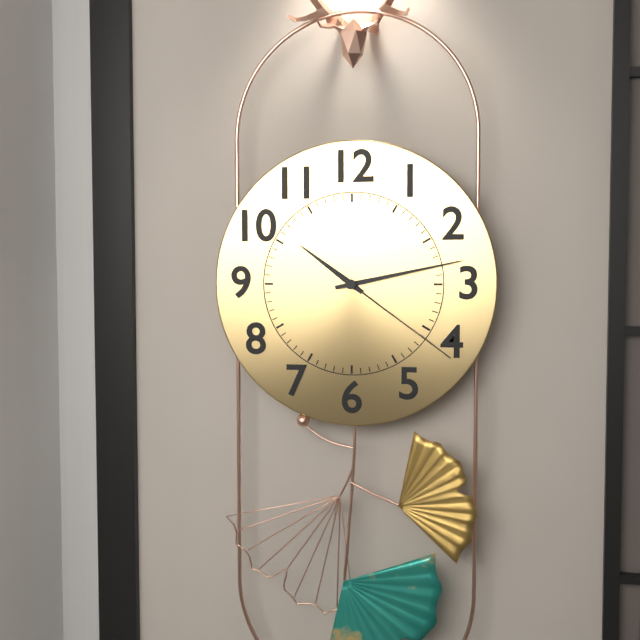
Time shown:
{"hour": 10, "minute": 13, "second": 21}
